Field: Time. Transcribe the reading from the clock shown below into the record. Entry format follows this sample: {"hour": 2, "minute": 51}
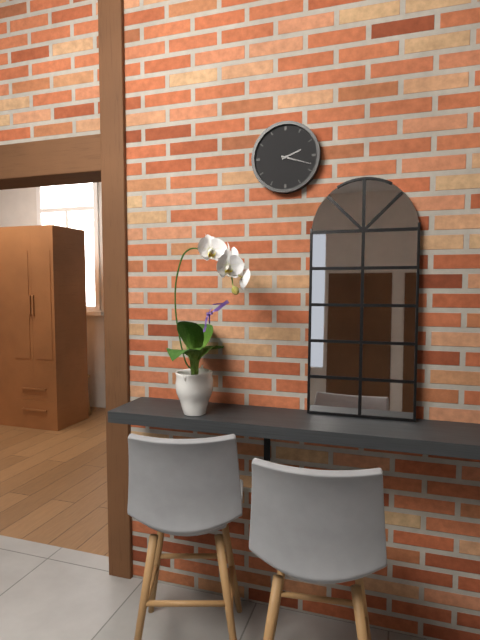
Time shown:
{"hour": 2, "minute": 18}
